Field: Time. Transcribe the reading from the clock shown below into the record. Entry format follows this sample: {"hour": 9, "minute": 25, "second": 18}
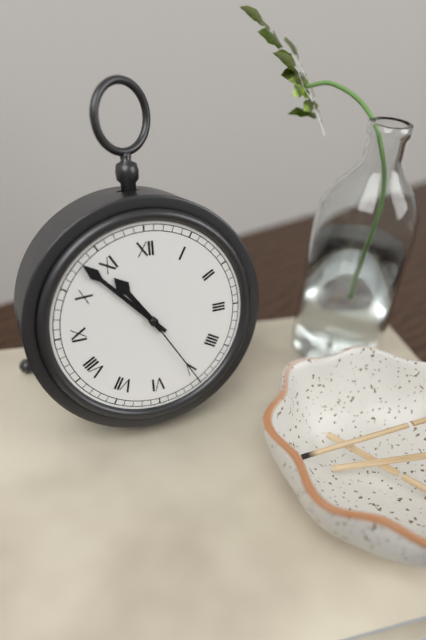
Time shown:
{"hour": 10, "minute": 53, "second": 25}
